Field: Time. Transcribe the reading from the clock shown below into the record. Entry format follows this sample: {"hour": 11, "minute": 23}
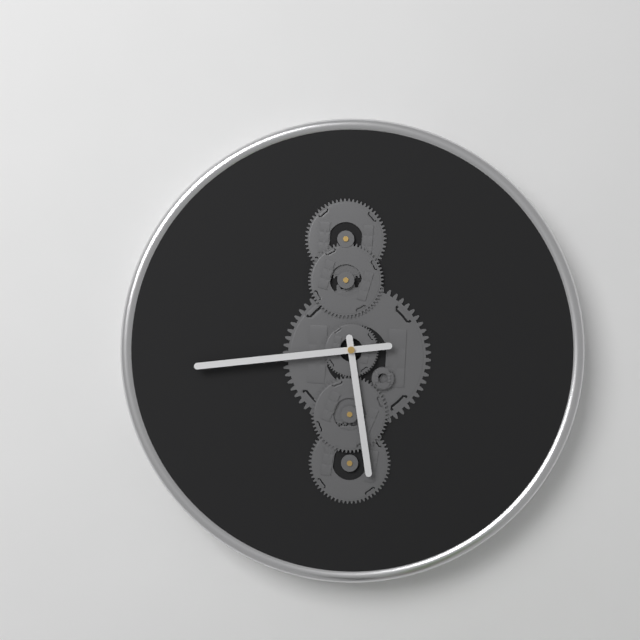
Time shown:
{"hour": 5, "minute": 44}
